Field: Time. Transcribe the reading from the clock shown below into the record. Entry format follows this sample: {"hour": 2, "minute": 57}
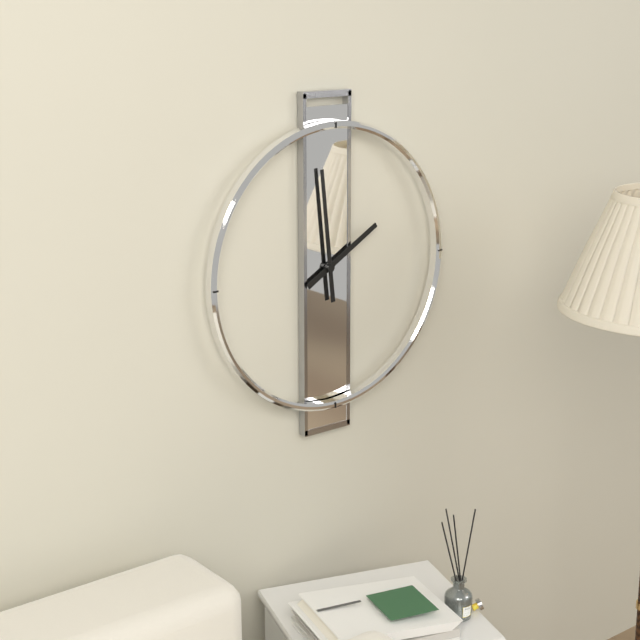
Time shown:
{"hour": 1, "minute": 59}
